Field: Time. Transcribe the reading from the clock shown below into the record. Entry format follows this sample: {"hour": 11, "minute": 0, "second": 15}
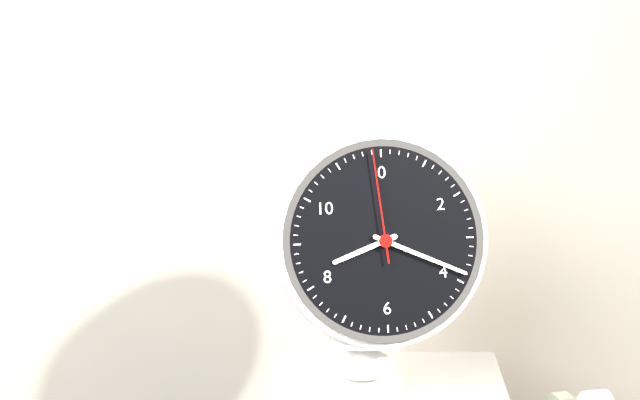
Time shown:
{"hour": 8, "minute": 19, "second": 59}
